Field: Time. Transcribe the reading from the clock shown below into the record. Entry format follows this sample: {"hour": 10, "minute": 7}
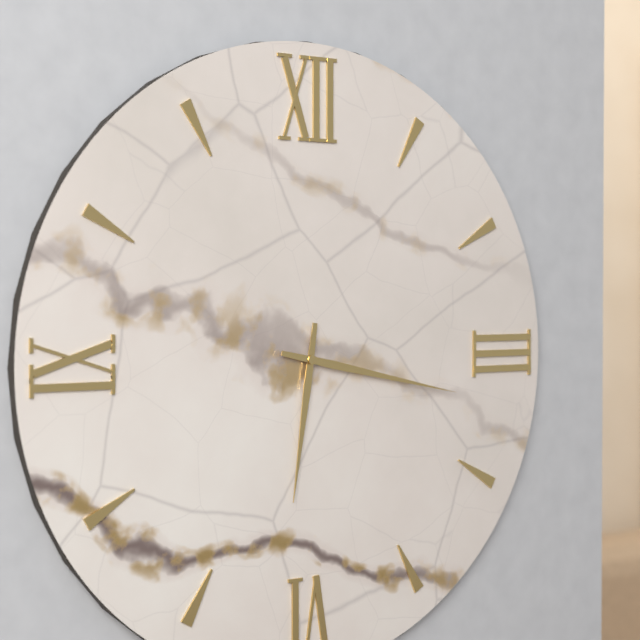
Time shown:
{"hour": 6, "minute": 17}
